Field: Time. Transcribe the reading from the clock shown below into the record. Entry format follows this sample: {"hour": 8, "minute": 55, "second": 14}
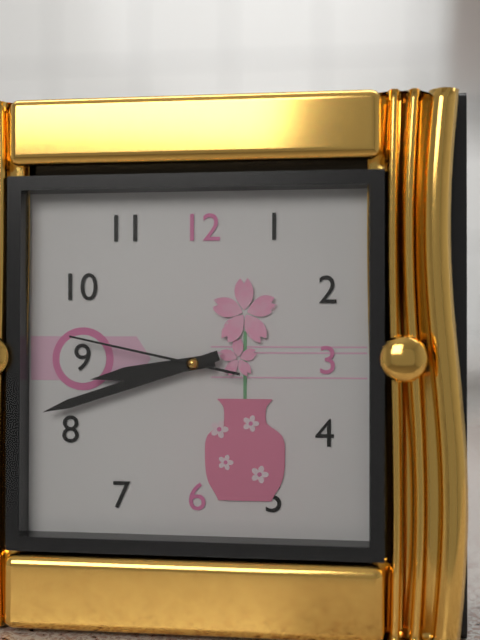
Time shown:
{"hour": 8, "minute": 42, "second": 47}
